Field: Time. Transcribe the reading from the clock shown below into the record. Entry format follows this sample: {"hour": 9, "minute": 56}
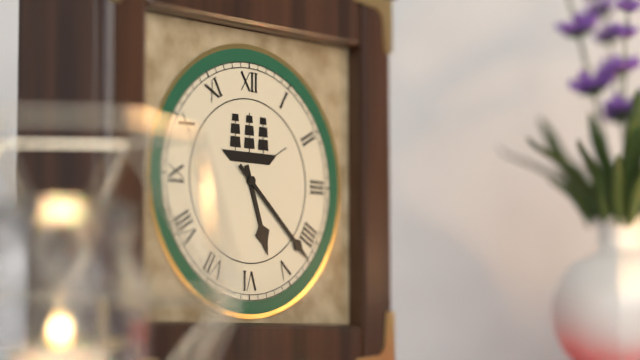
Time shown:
{"hour": 5, "minute": 22}
